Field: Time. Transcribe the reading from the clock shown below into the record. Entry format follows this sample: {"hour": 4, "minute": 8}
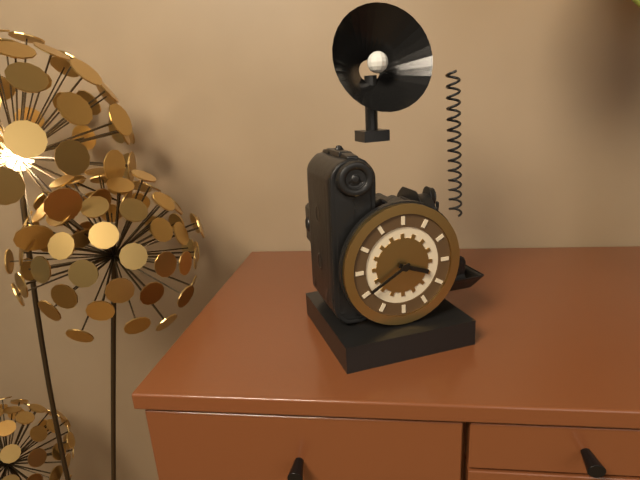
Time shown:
{"hour": 3, "minute": 40}
